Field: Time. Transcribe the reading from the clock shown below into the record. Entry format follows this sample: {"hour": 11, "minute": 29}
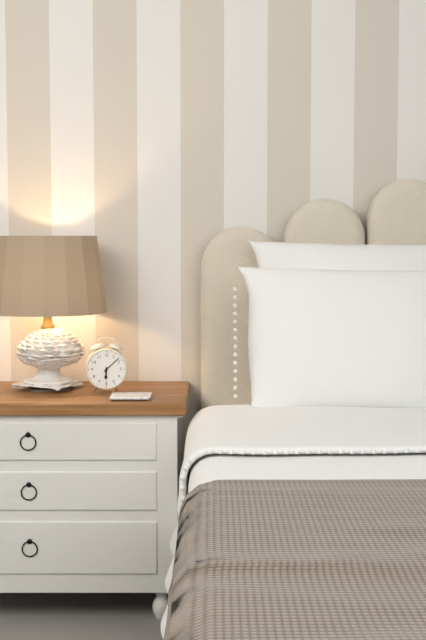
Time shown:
{"hour": 6, "minute": 8}
